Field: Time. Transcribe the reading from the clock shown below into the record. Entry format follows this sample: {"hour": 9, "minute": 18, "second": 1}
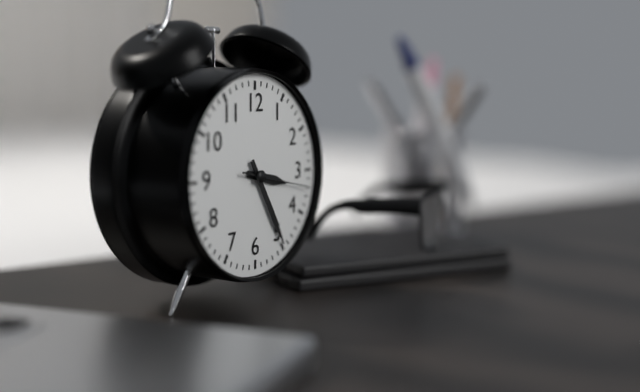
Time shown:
{"hour": 3, "minute": 25, "second": 17}
